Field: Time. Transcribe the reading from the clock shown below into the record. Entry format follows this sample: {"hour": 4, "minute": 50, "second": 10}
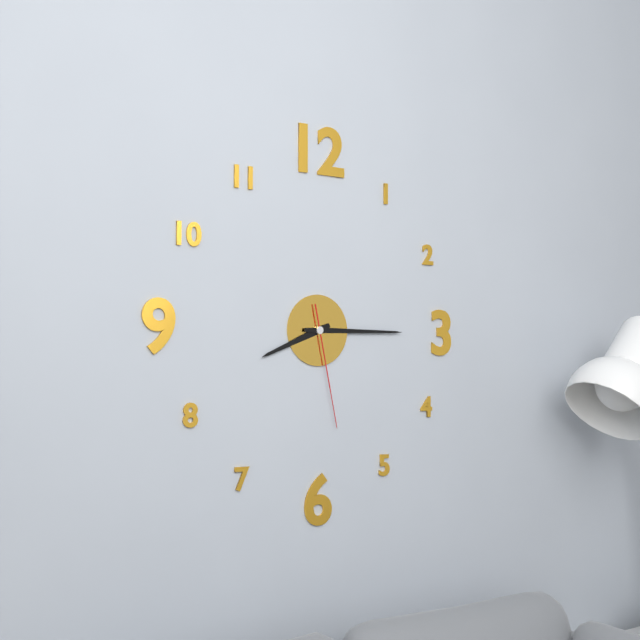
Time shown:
{"hour": 8, "minute": 15, "second": 28}
